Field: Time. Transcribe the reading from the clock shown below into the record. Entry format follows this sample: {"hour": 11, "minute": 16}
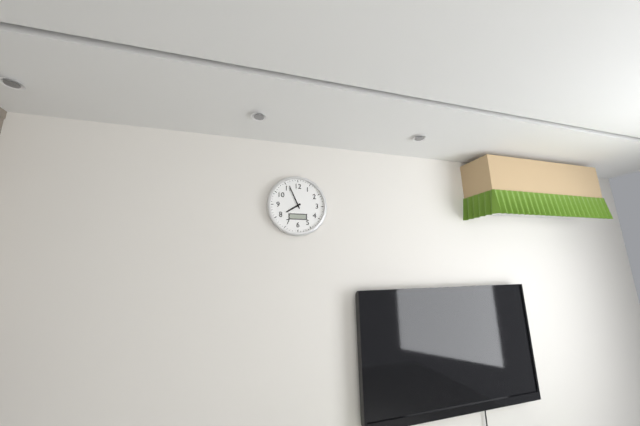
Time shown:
{"hour": 7, "minute": 56}
